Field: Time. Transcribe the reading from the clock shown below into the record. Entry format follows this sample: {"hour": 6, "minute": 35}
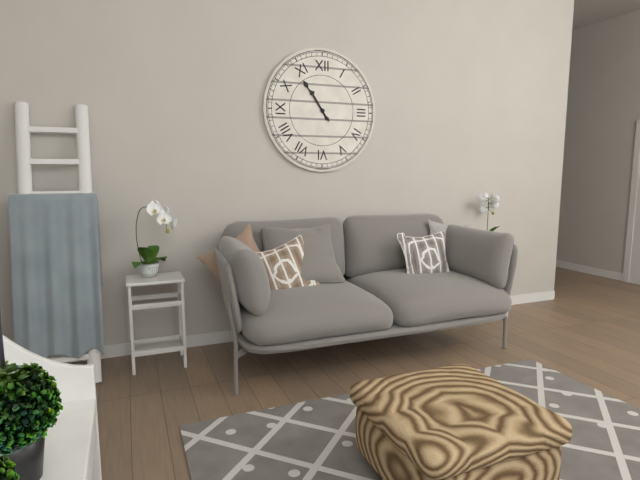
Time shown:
{"hour": 10, "minute": 54}
